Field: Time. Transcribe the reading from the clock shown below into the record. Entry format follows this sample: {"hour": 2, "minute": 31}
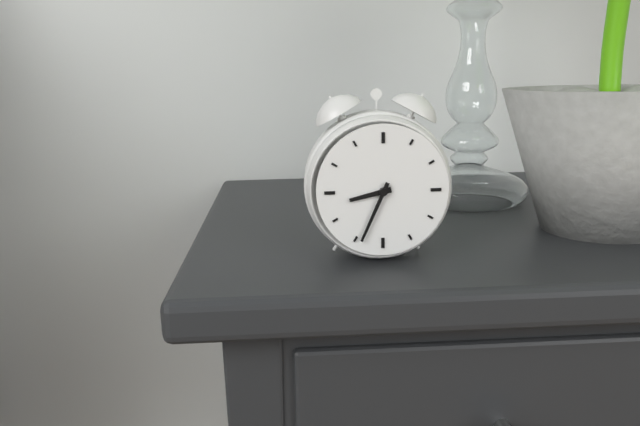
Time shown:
{"hour": 8, "minute": 34}
